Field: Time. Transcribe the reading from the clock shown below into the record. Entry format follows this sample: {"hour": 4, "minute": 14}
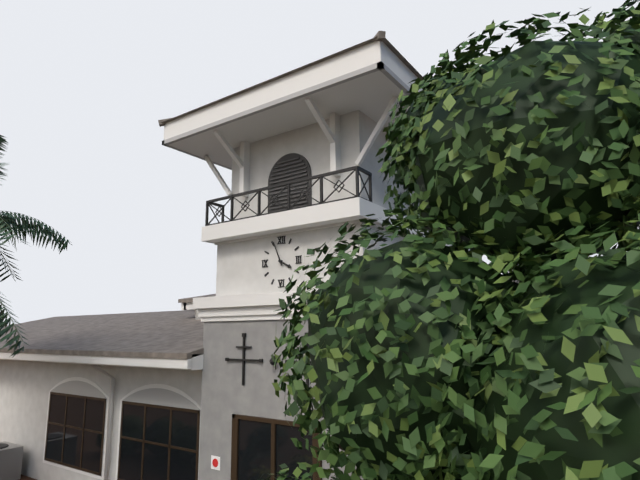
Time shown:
{"hour": 3, "minute": 56}
